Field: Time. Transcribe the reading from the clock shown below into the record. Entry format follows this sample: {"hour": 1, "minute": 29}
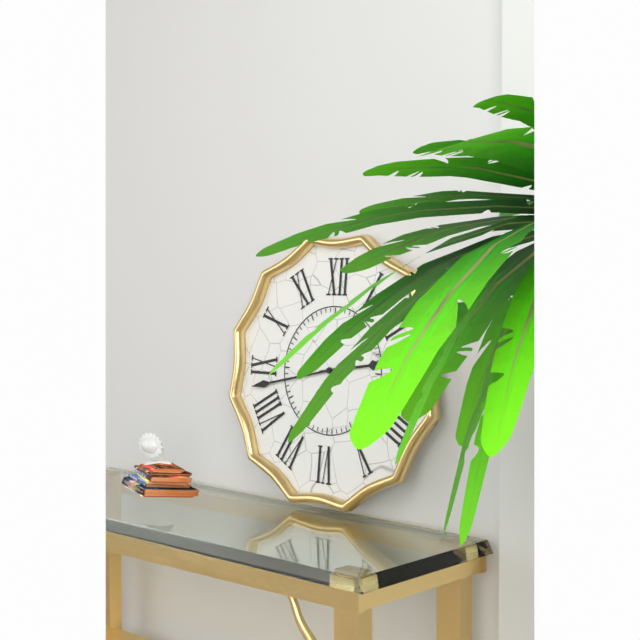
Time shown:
{"hour": 2, "minute": 43}
